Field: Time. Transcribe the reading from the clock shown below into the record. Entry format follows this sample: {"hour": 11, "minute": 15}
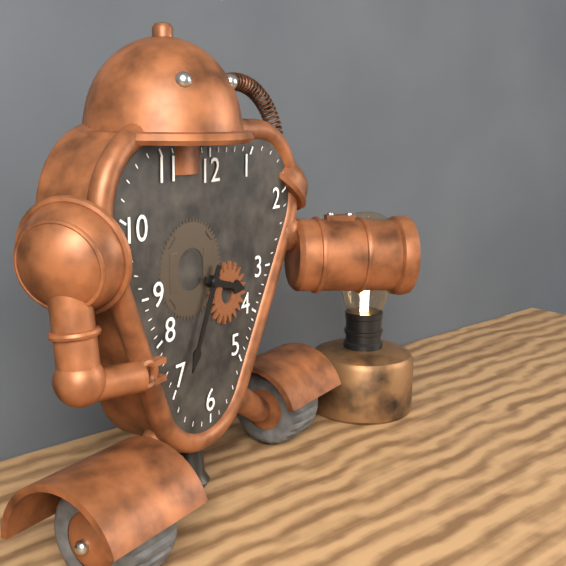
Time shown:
{"hour": 3, "minute": 34}
